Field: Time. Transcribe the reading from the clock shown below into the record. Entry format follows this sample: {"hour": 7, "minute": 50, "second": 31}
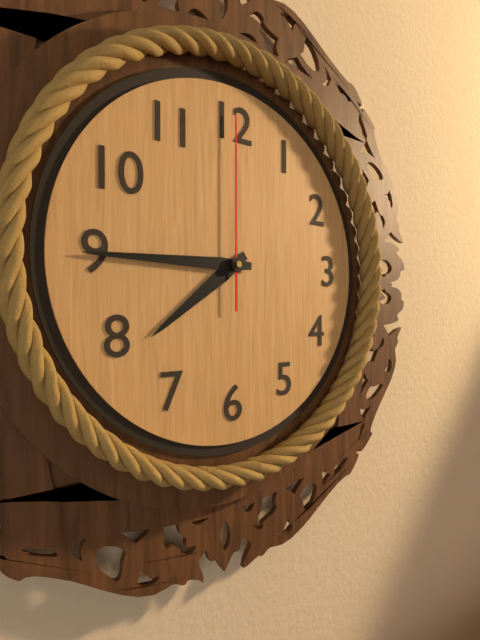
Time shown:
{"hour": 7, "minute": 45, "second": 0}
